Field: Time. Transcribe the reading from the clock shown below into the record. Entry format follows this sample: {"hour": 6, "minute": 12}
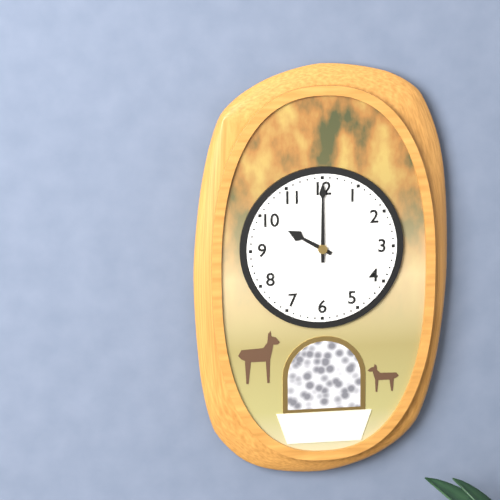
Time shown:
{"hour": 10, "minute": 0}
